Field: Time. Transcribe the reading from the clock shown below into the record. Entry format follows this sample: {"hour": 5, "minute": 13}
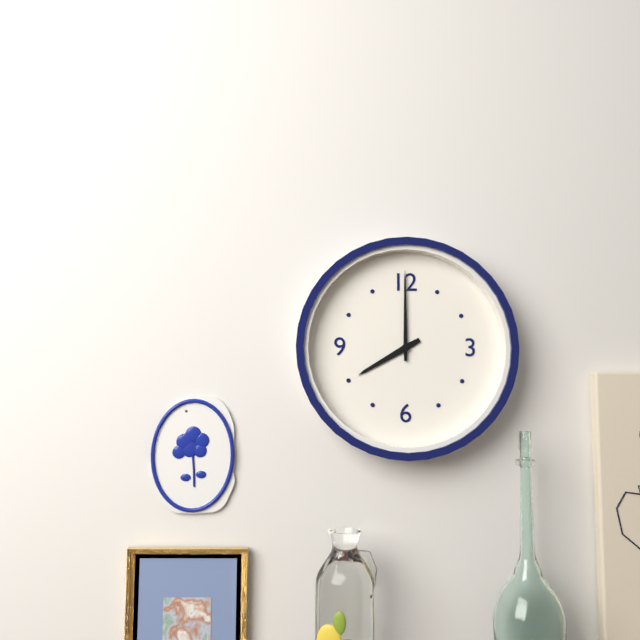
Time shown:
{"hour": 8, "minute": 0}
